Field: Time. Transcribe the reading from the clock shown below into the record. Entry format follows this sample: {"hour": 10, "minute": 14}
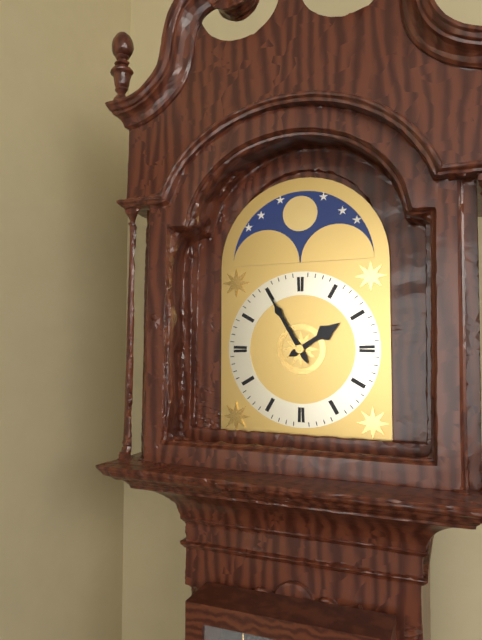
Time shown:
{"hour": 1, "minute": 55}
